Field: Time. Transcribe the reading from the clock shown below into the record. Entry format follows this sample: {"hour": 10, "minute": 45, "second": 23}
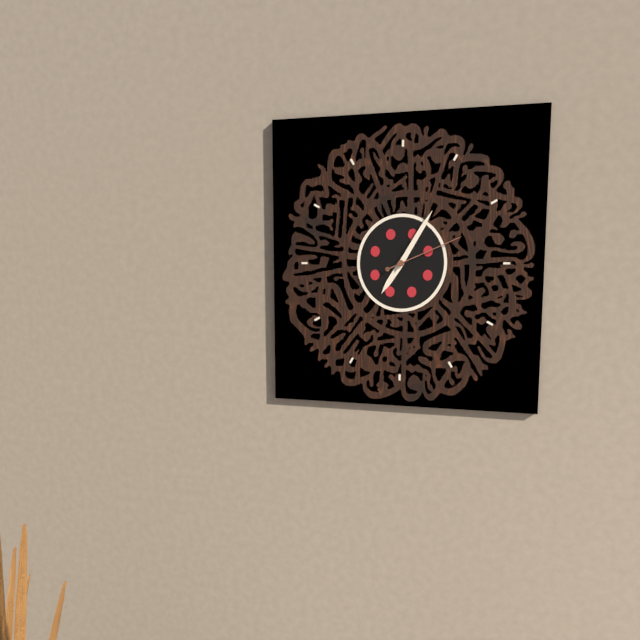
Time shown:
{"hour": 7, "minute": 5, "second": 11}
